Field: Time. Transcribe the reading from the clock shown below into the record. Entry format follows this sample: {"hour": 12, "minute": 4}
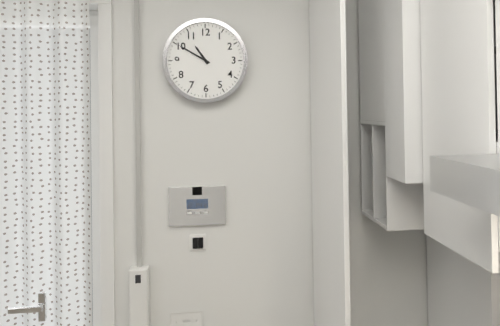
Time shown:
{"hour": 10, "minute": 50}
